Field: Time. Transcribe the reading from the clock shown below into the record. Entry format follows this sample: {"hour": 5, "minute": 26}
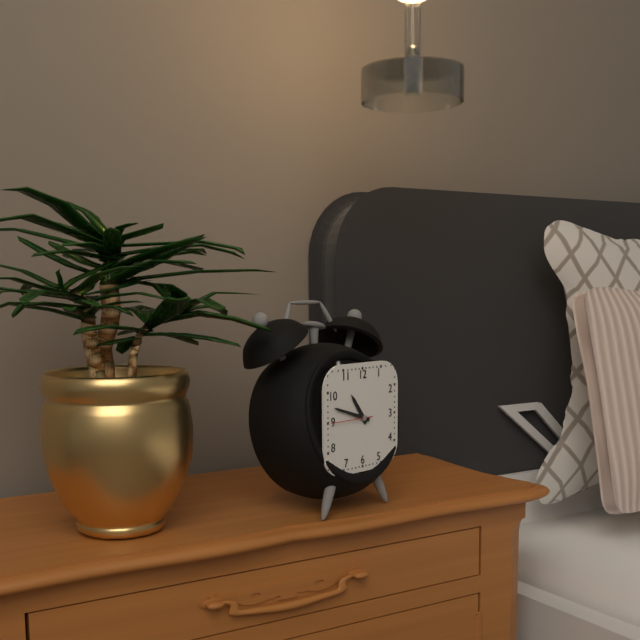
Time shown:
{"hour": 10, "minute": 48}
